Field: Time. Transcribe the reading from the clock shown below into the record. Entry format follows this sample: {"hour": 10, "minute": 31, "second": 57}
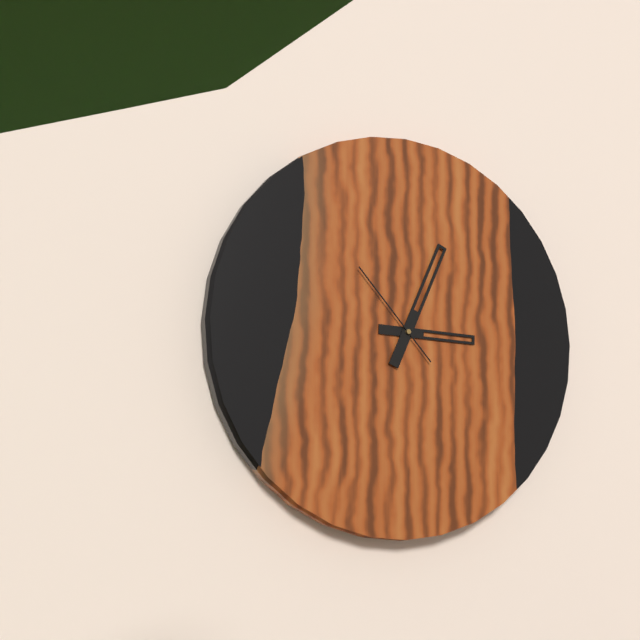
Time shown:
{"hour": 3, "minute": 4, "second": 53}
